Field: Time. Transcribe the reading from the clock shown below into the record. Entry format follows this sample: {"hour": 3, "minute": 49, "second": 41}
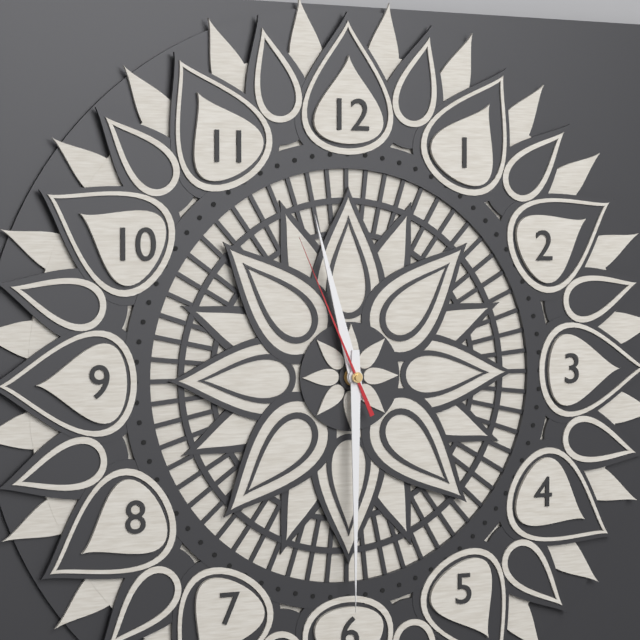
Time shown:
{"hour": 11, "minute": 30, "second": 56}
